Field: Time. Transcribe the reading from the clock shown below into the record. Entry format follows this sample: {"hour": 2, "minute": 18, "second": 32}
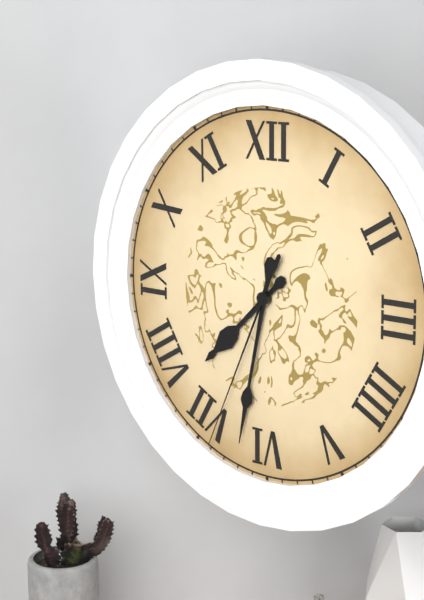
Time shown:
{"hour": 7, "minute": 32, "second": 34}
